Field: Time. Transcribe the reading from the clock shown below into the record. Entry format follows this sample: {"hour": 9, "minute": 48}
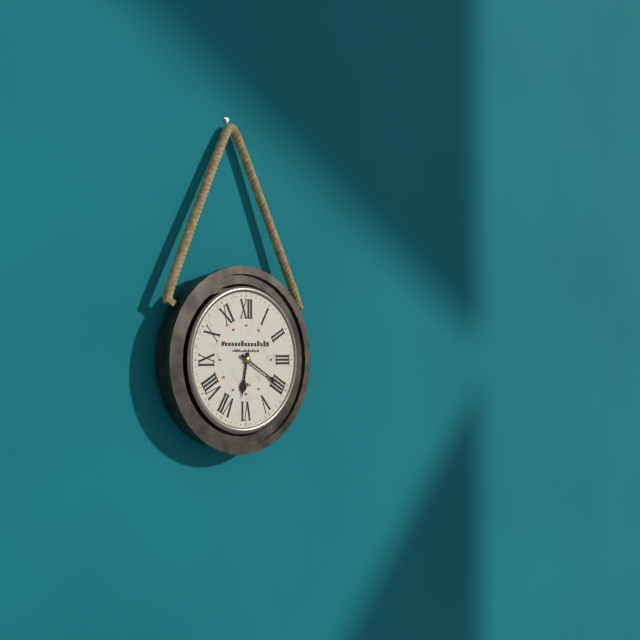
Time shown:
{"hour": 6, "minute": 20}
